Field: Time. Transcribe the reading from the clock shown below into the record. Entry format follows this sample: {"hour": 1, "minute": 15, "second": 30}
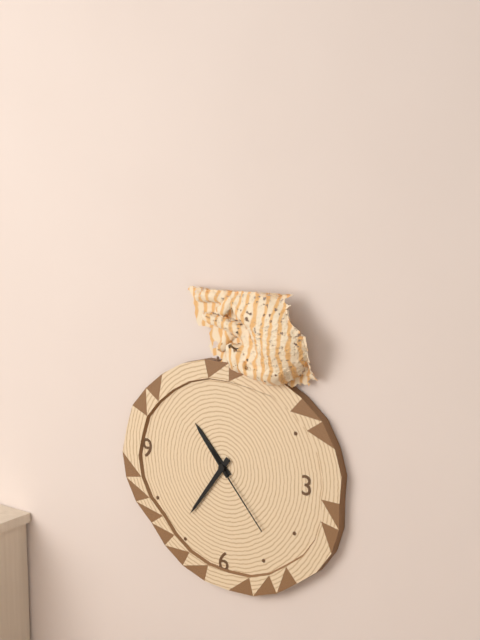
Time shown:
{"hour": 10, "minute": 36, "second": 23}
